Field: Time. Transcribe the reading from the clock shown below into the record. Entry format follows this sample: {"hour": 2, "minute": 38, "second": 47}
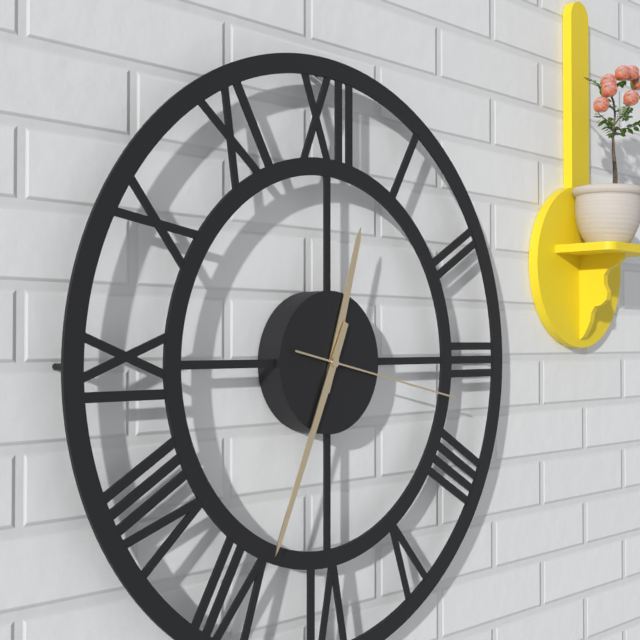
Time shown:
{"hour": 12, "minute": 34, "second": 17}
